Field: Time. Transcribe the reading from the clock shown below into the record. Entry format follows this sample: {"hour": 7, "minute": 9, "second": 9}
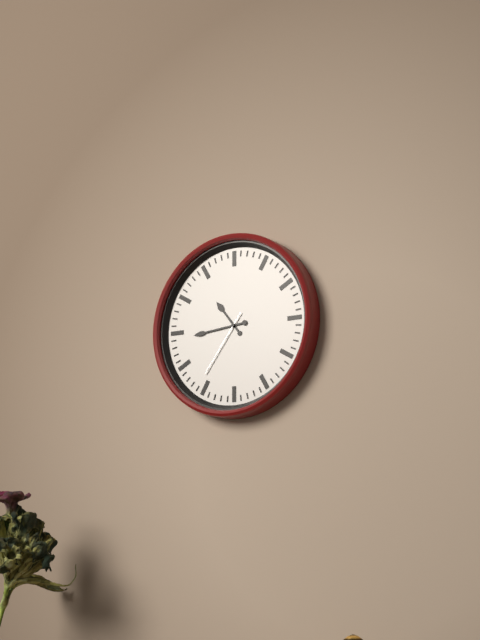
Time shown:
{"hour": 10, "minute": 44, "second": 36}
